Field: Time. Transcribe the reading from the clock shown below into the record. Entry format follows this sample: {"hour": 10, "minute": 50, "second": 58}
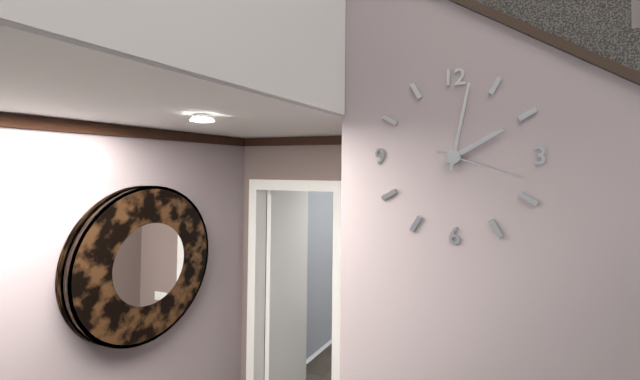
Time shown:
{"hour": 2, "minute": 2, "second": 18}
